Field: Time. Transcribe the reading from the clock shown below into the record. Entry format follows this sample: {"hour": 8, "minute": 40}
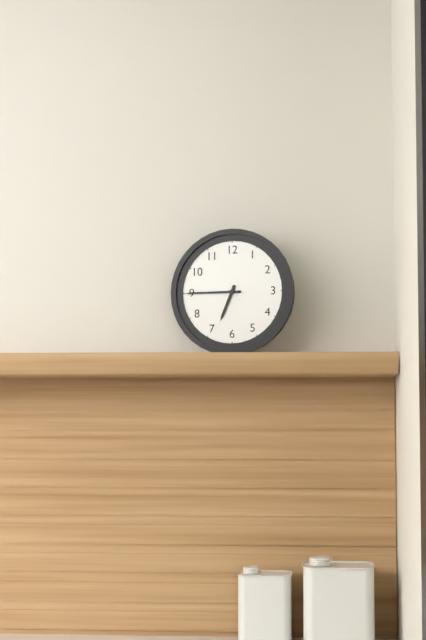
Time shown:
{"hour": 6, "minute": 45}
